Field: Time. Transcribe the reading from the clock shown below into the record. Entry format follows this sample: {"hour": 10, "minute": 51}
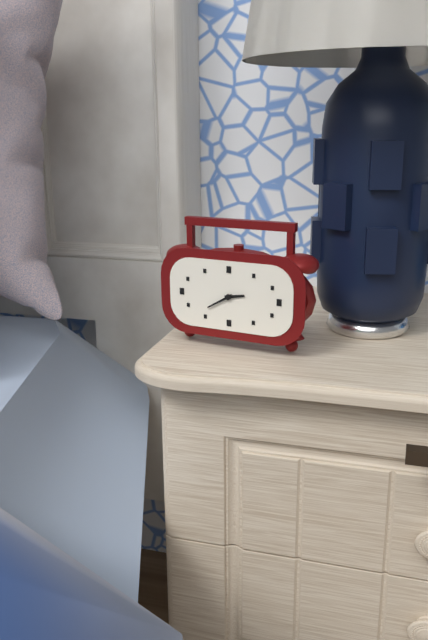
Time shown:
{"hour": 2, "minute": 40}
